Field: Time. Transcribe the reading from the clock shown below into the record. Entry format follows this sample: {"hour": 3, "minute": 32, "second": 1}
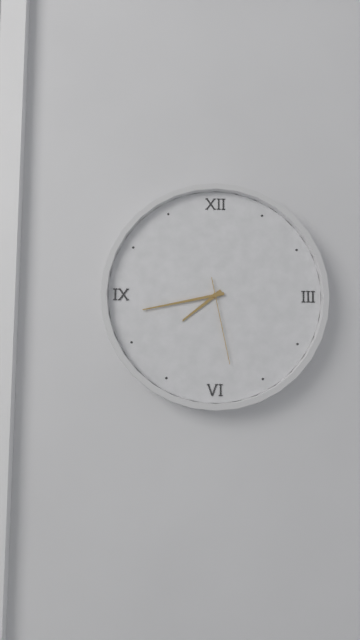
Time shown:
{"hour": 7, "minute": 43, "second": 28}
